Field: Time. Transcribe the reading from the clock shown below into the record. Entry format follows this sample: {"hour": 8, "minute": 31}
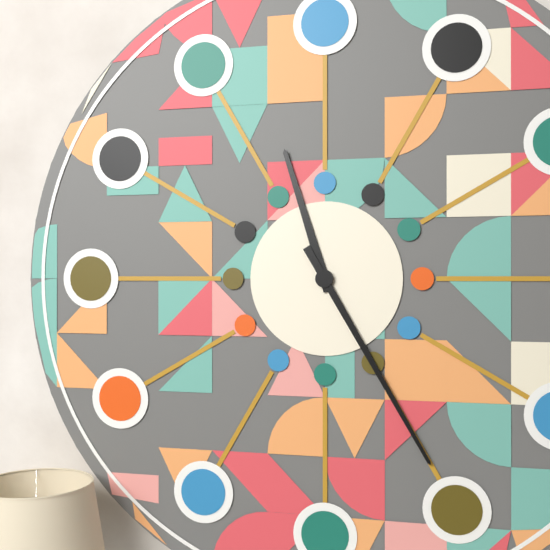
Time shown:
{"hour": 11, "minute": 25}
